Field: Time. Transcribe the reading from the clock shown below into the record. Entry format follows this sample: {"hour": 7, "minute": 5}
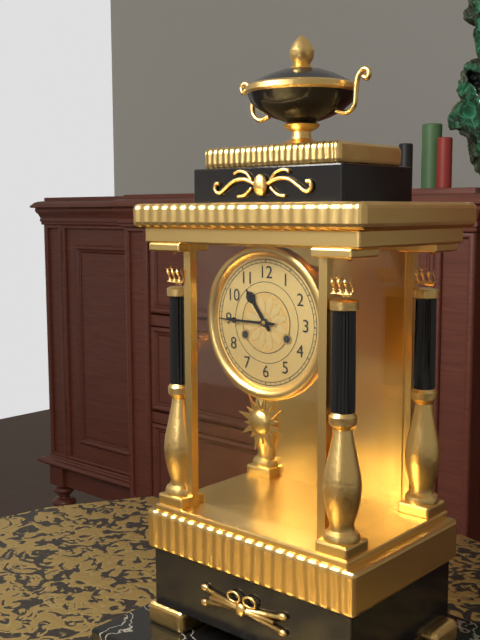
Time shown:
{"hour": 10, "minute": 45}
